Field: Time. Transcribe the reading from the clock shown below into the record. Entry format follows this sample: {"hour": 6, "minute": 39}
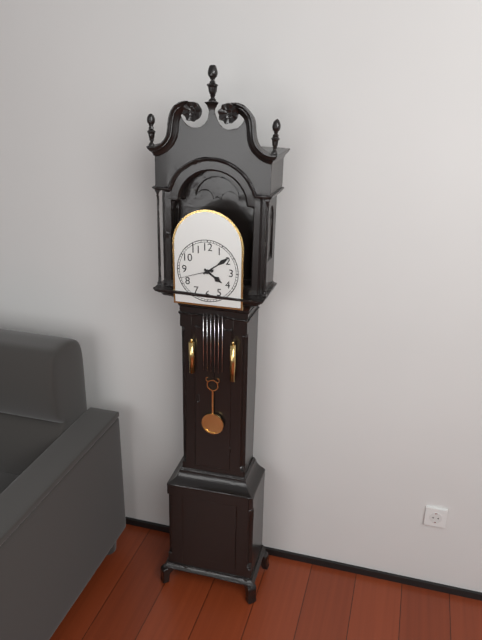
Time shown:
{"hour": 4, "minute": 9}
